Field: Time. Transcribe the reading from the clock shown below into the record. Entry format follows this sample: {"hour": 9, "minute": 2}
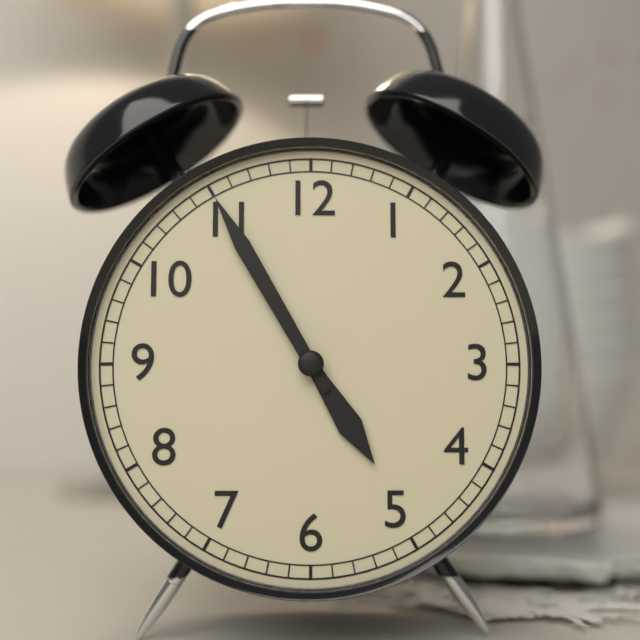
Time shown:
{"hour": 4, "minute": 55}
